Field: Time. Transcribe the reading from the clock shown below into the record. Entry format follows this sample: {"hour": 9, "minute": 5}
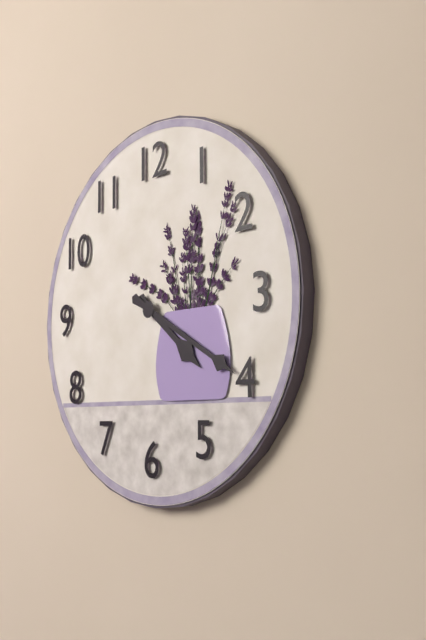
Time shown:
{"hour": 4, "minute": 20}
